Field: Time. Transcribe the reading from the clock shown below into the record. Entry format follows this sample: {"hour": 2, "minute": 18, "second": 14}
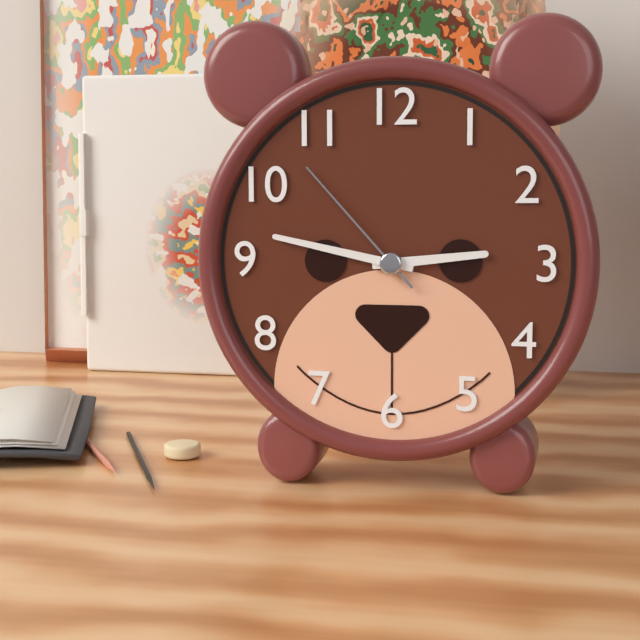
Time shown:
{"hour": 2, "minute": 47, "second": 53}
